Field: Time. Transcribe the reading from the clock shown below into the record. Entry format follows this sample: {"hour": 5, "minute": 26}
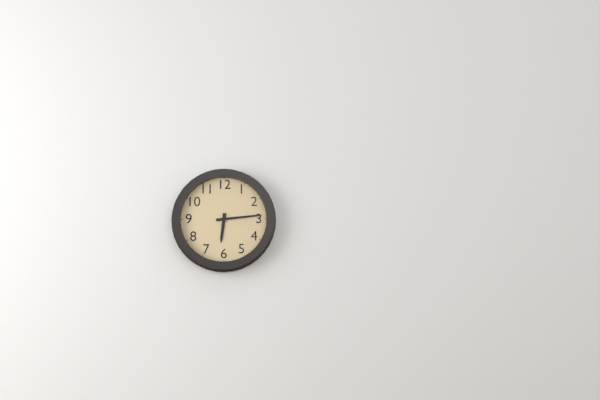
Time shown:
{"hour": 6, "minute": 14}
